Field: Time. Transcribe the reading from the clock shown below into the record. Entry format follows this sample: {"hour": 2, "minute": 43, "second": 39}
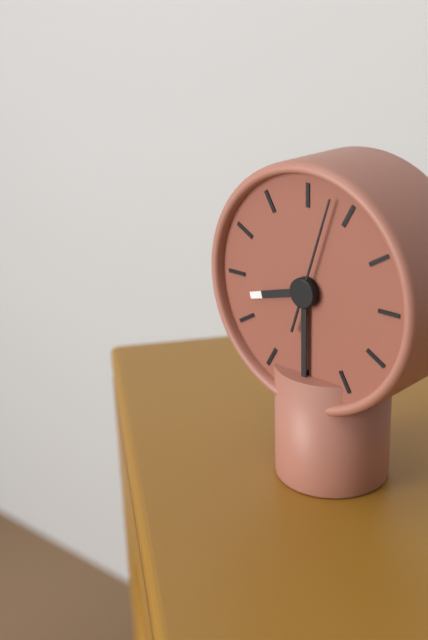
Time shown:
{"hour": 8, "minute": 30, "second": 3}
